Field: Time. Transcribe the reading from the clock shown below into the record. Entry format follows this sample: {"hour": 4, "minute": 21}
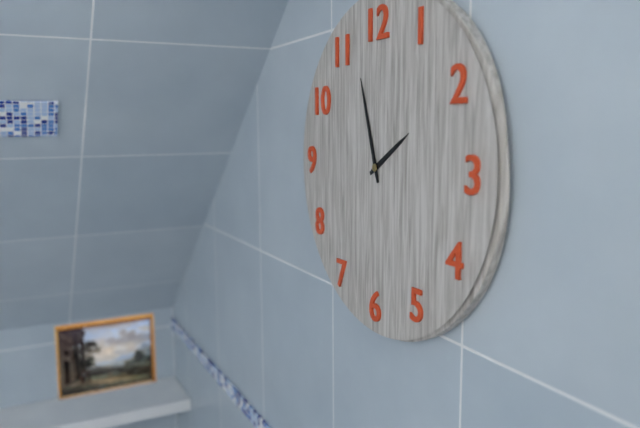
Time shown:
{"hour": 1, "minute": 57}
